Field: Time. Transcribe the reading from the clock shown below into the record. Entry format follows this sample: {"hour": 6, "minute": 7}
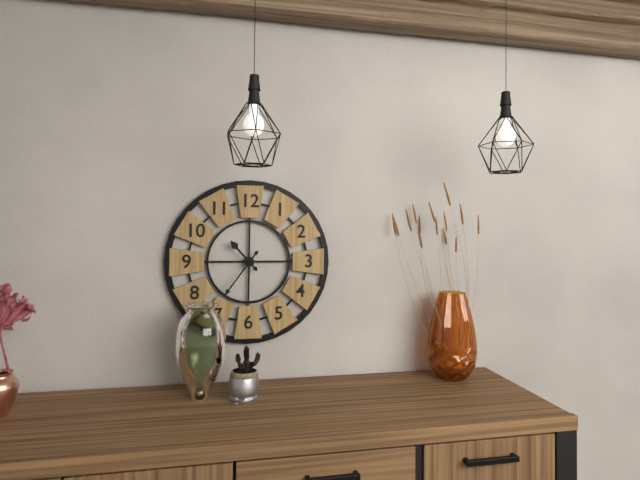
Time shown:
{"hour": 10, "minute": 36}
